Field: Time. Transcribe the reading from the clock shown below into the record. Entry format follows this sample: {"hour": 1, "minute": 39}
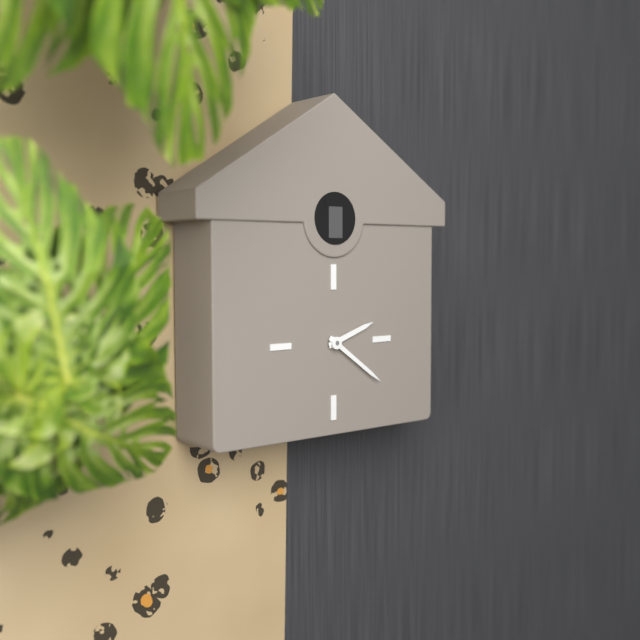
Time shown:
{"hour": 2, "minute": 21}
